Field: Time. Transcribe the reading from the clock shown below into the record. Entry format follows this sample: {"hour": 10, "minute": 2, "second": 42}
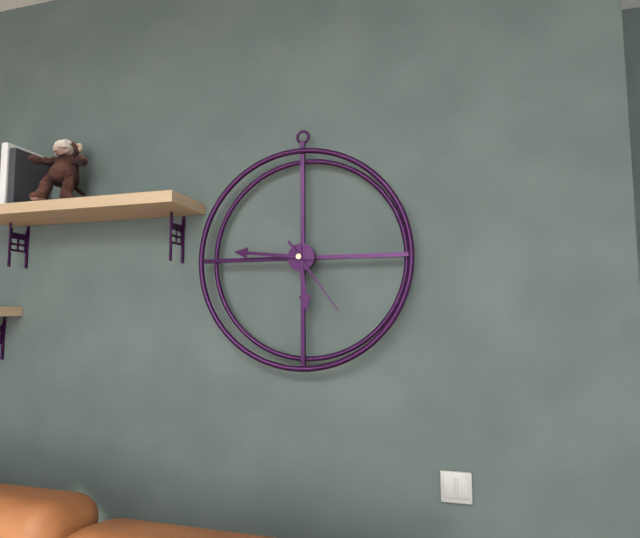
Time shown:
{"hour": 5, "minute": 46, "second": 24}
